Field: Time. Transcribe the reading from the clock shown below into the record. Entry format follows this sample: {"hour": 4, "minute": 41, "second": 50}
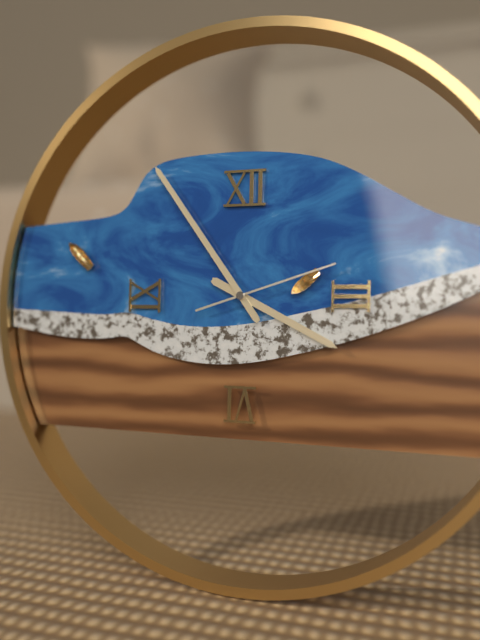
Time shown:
{"hour": 3, "minute": 54, "second": 12}
